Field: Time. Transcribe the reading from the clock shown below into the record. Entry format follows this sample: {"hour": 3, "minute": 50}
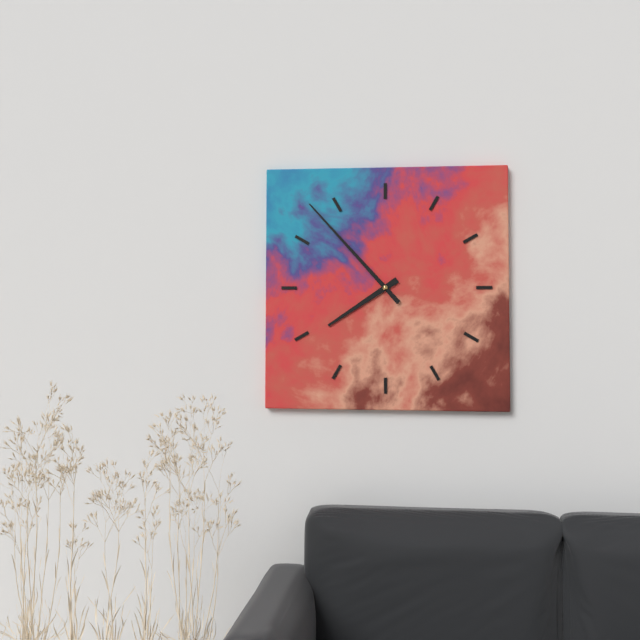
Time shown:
{"hour": 7, "minute": 53}
